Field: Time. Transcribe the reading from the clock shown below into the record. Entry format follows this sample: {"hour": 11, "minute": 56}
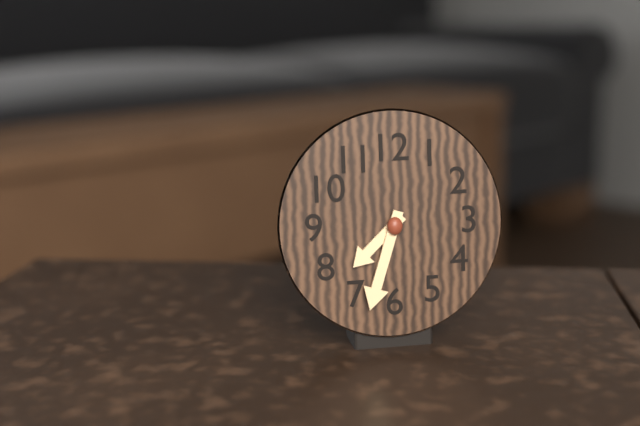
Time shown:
{"hour": 7, "minute": 33}
